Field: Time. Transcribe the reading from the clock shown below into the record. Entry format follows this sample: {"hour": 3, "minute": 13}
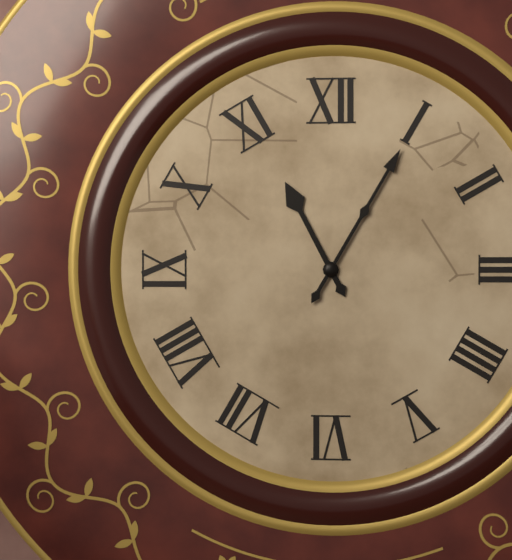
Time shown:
{"hour": 11, "minute": 5}
